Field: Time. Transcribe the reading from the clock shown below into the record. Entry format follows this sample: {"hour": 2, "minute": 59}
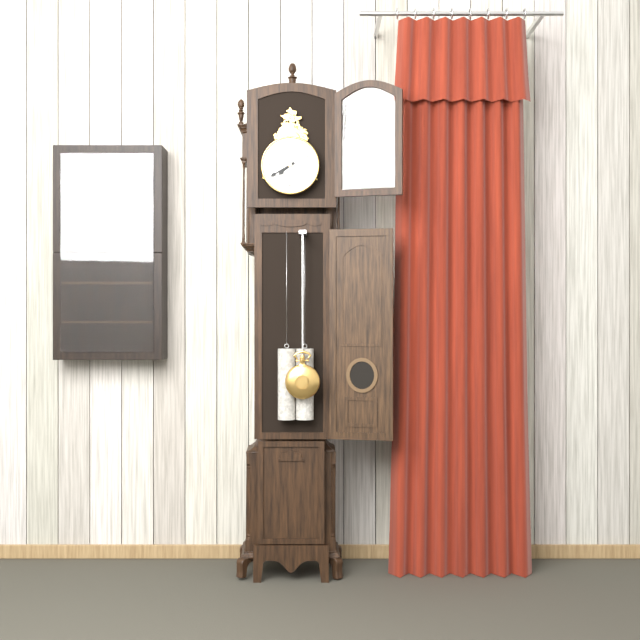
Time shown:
{"hour": 7, "minute": 40}
